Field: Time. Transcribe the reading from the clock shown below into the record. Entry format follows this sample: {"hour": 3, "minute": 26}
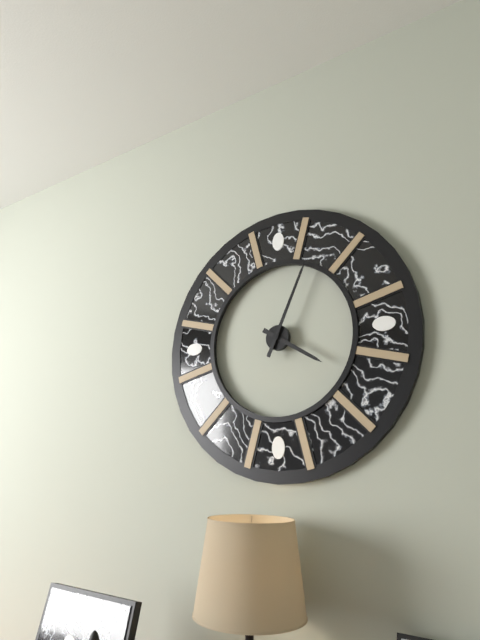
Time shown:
{"hour": 4, "minute": 4}
